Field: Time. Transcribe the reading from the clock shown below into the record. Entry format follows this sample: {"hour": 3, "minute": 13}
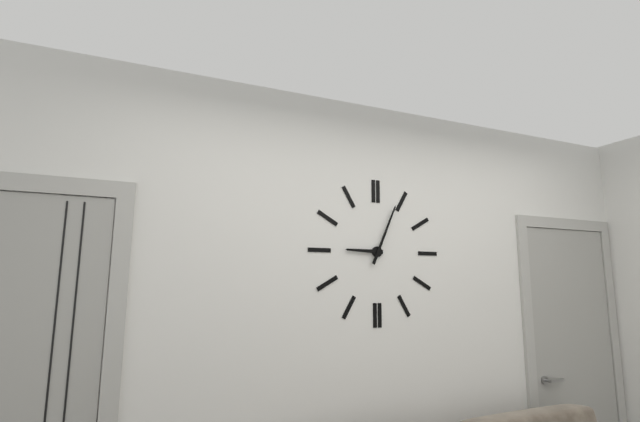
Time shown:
{"hour": 9, "minute": 4}
